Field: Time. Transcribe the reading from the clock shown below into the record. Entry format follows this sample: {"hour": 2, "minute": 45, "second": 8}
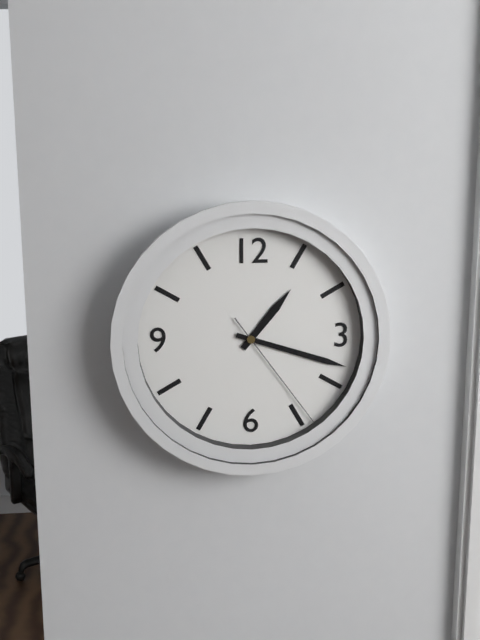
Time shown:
{"hour": 1, "minute": 18, "second": 24}
